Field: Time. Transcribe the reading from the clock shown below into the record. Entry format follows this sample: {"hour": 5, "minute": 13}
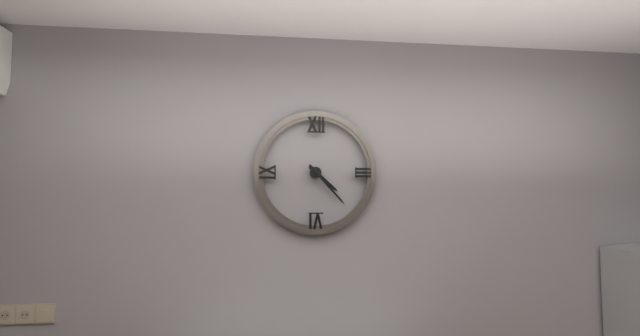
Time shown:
{"hour": 4, "minute": 23}
